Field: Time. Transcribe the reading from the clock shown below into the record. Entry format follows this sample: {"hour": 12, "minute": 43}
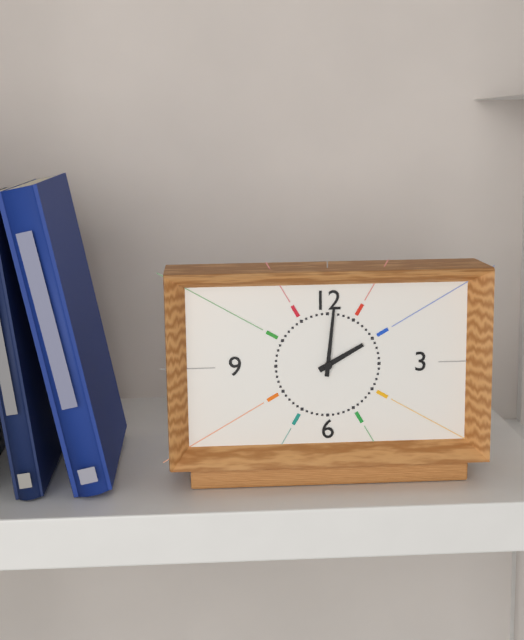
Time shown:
{"hour": 2, "minute": 1}
